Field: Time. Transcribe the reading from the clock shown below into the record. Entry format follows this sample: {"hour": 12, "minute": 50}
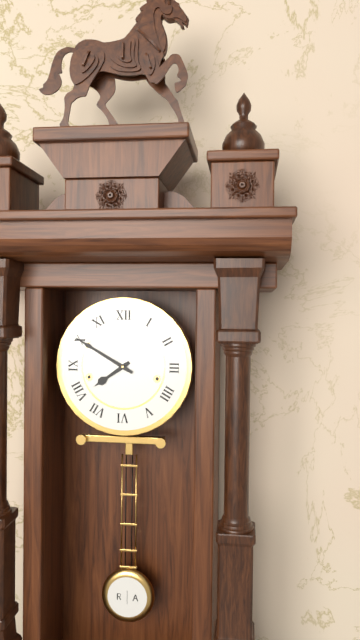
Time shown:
{"hour": 7, "minute": 50}
